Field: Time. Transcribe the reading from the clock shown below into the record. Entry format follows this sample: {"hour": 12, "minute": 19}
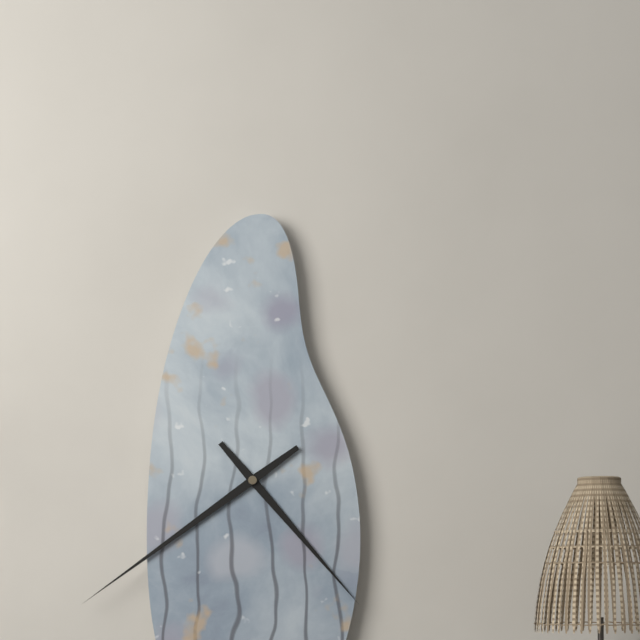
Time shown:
{"hour": 4, "minute": 39}
